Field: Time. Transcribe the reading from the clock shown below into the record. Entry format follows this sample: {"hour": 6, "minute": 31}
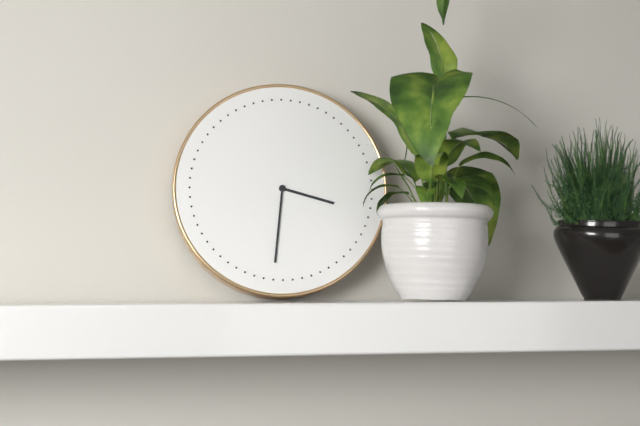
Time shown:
{"hour": 3, "minute": 31}
